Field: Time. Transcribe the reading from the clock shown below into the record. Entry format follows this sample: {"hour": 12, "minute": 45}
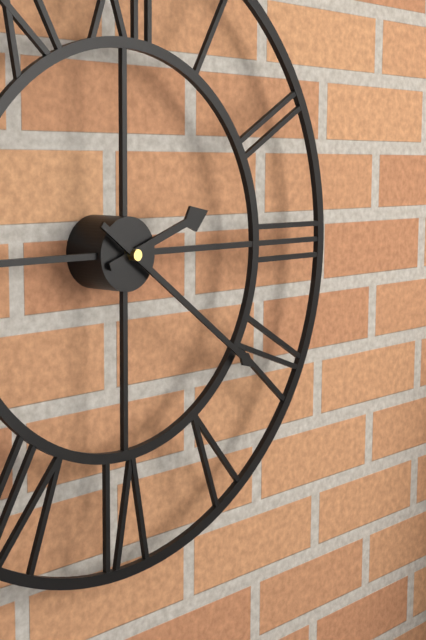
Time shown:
{"hour": 2, "minute": 21}
